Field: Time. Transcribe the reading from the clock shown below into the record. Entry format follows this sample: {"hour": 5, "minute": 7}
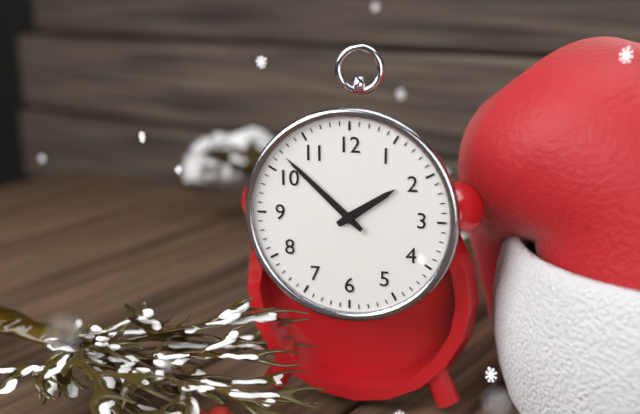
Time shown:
{"hour": 1, "minute": 52}
